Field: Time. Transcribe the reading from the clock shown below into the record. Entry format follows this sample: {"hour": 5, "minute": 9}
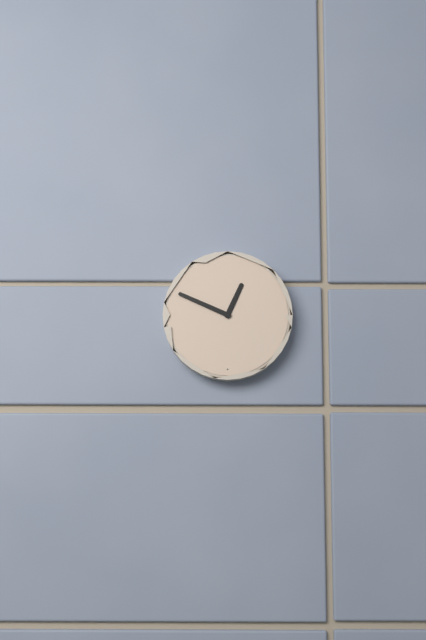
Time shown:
{"hour": 12, "minute": 49}
